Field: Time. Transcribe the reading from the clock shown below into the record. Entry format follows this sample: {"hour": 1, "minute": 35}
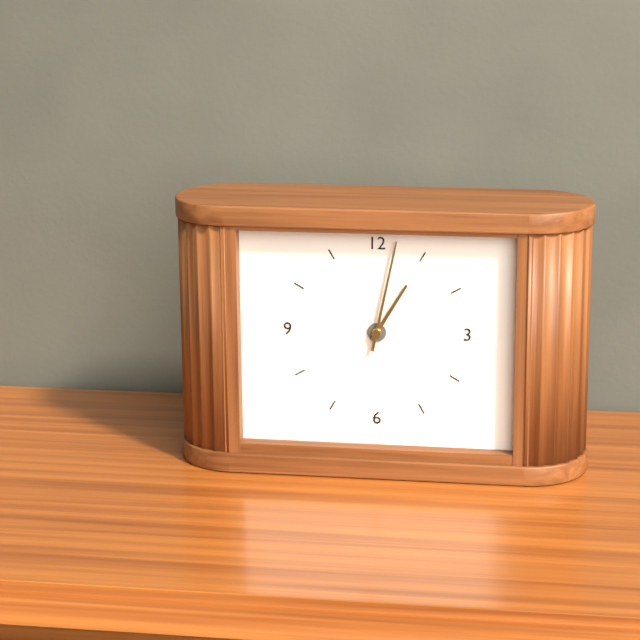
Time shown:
{"hour": 1, "minute": 2}
